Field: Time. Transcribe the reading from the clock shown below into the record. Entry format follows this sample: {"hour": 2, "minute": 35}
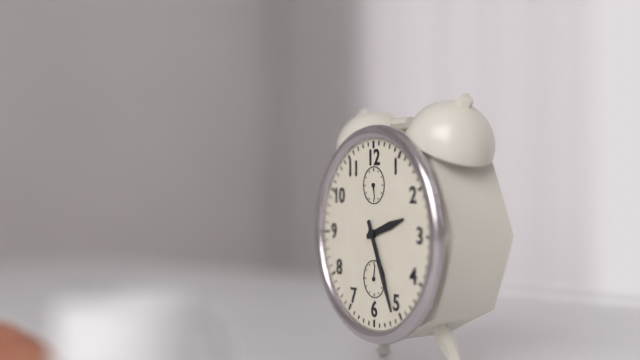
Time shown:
{"hour": 2, "minute": 26}
